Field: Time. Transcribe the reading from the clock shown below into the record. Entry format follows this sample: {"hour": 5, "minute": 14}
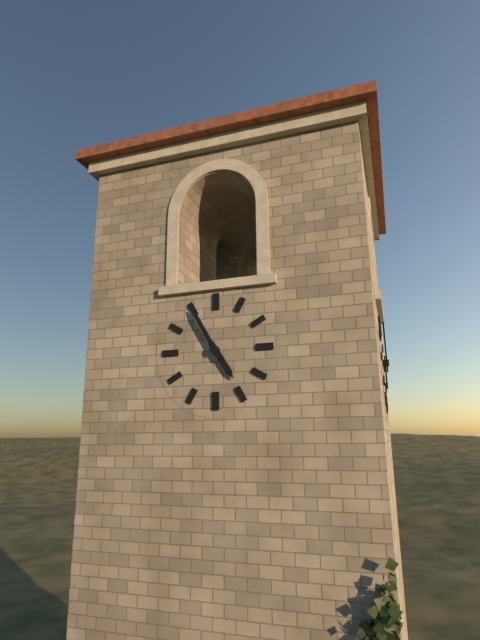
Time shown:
{"hour": 4, "minute": 55}
